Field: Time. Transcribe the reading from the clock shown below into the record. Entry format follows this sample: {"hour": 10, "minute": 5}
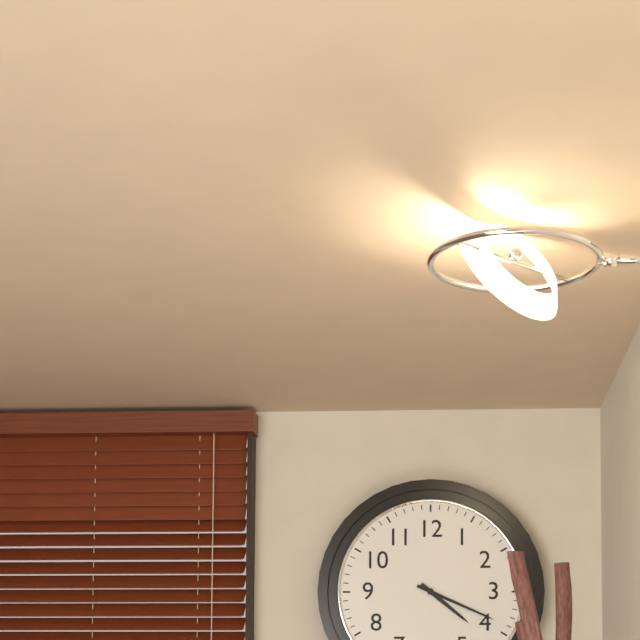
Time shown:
{"hour": 4, "minute": 19}
